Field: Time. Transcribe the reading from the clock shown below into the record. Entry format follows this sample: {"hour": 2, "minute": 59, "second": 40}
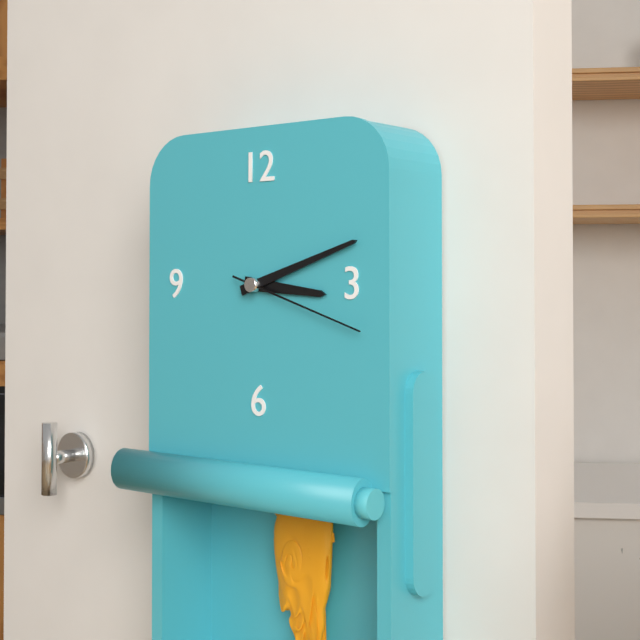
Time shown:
{"hour": 3, "minute": 12, "second": 18}
